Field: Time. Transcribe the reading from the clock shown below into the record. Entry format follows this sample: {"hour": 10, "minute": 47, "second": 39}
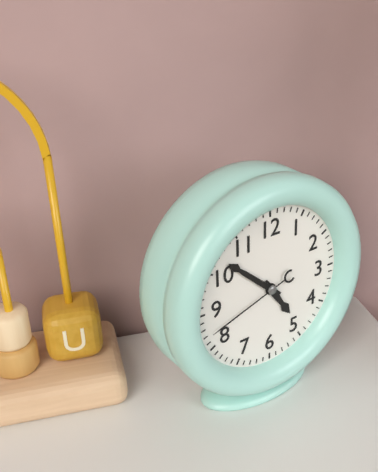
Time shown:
{"hour": 4, "minute": 52, "second": 42}
